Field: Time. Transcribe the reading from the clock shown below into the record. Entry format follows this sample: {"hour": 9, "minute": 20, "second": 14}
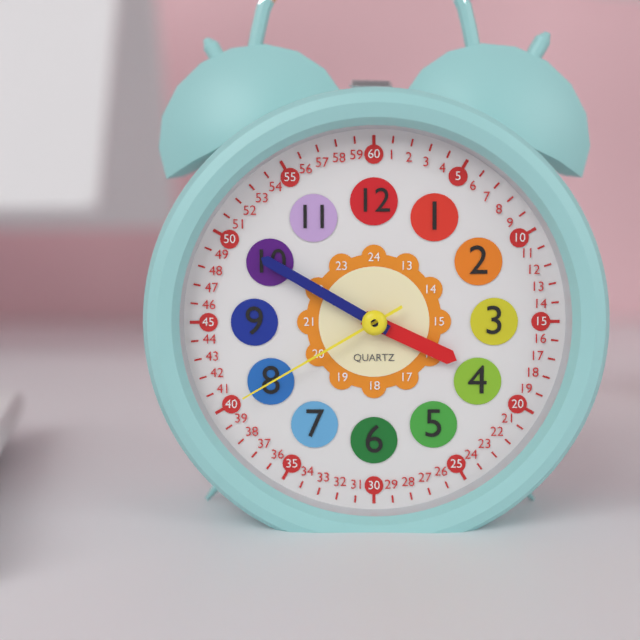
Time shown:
{"hour": 3, "minute": 50, "second": 40}
